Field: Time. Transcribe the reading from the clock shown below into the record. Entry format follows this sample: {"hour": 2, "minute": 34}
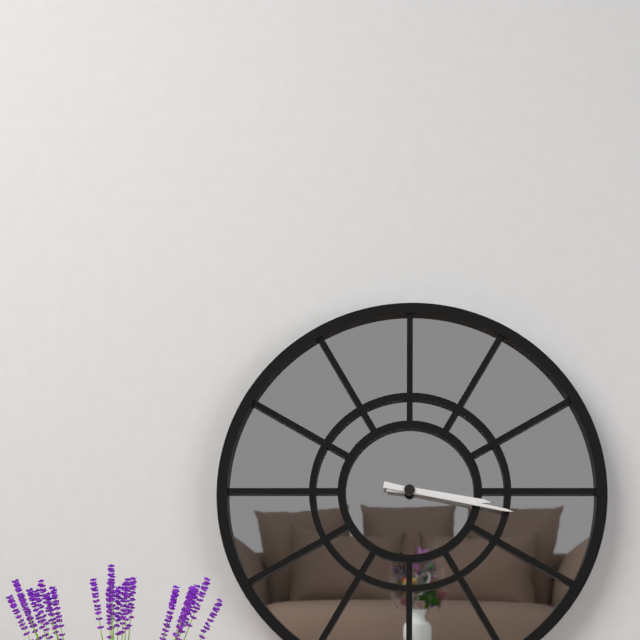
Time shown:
{"hour": 3, "minute": 17}
